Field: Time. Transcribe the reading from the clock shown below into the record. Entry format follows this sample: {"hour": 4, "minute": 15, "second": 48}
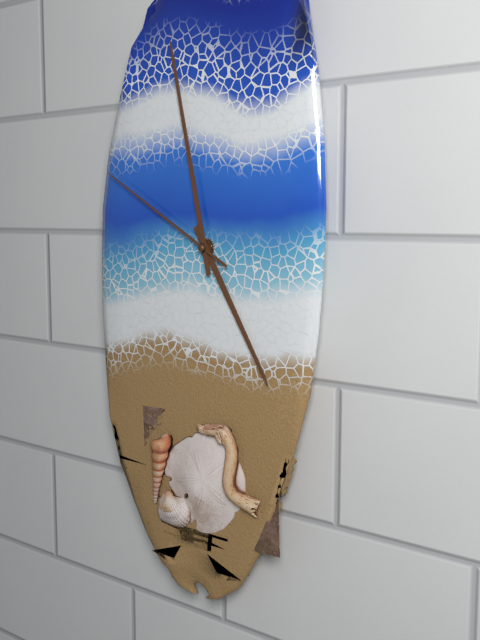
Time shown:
{"hour": 4, "minute": 58, "second": 50}
